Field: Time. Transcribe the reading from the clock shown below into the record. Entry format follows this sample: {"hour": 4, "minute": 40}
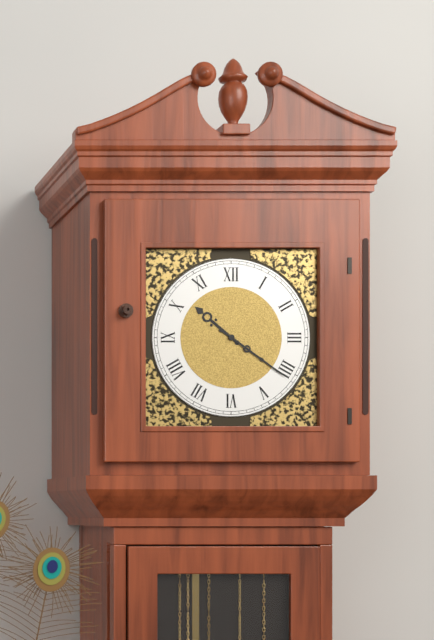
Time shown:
{"hour": 10, "minute": 21}
